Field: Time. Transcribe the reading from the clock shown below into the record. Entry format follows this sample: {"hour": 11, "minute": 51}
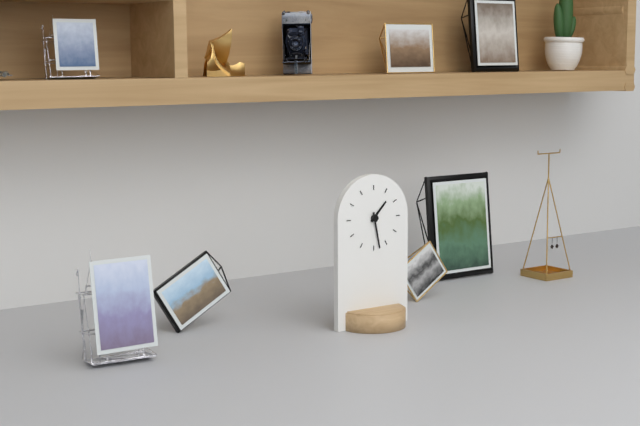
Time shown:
{"hour": 1, "minute": 28}
